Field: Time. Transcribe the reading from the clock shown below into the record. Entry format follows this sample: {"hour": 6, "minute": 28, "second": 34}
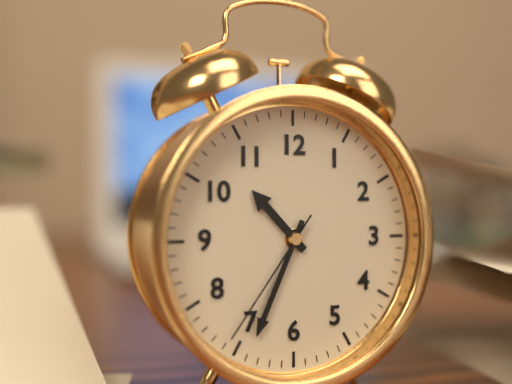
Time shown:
{"hour": 10, "minute": 34, "second": 36}
